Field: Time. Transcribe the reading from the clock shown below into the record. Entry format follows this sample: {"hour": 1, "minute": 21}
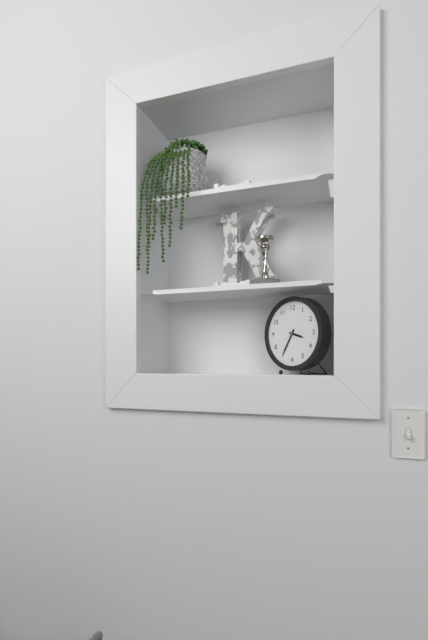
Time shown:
{"hour": 3, "minute": 35}
